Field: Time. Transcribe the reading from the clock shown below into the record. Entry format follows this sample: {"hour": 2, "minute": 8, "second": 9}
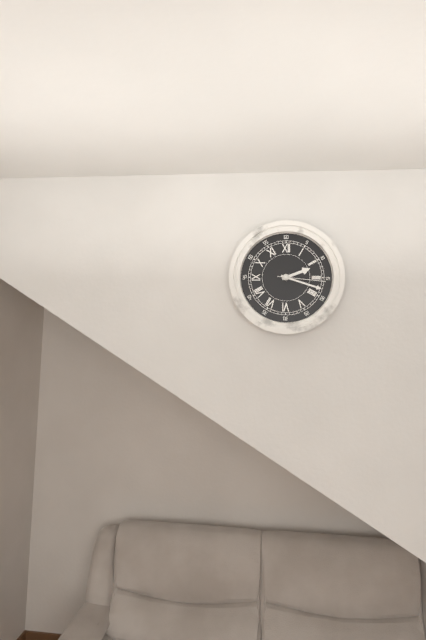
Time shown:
{"hour": 2, "minute": 18, "second": 16}
